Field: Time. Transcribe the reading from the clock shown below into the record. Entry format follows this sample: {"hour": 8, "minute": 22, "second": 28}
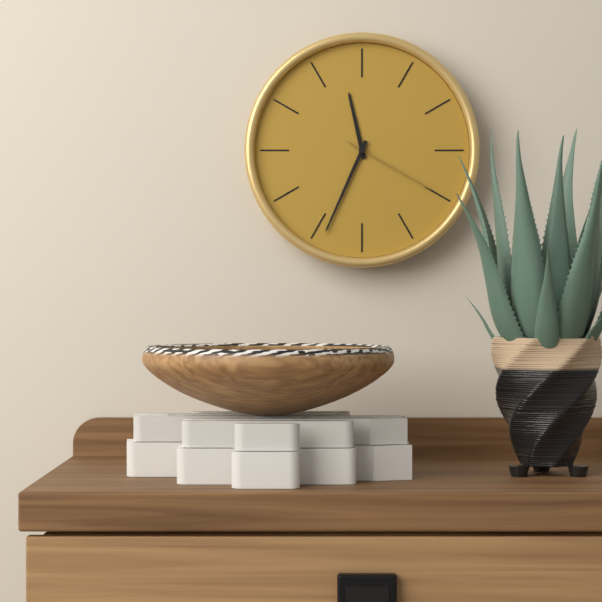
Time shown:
{"hour": 11, "minute": 34, "second": 20}
